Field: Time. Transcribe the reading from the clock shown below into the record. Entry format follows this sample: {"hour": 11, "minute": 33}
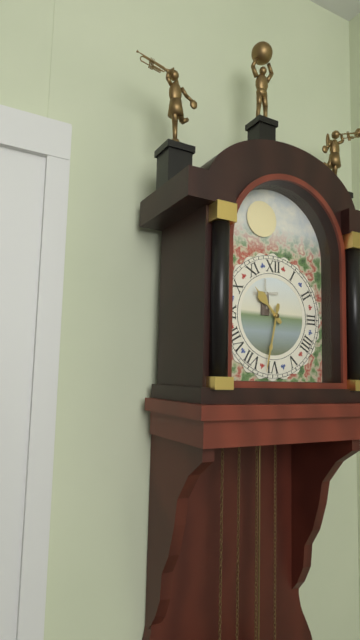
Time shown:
{"hour": 10, "minute": 32}
